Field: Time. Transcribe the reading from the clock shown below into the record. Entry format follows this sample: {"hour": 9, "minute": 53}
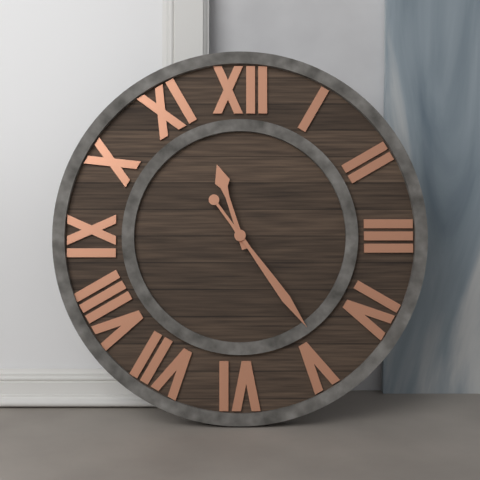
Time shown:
{"hour": 11, "minute": 24}
